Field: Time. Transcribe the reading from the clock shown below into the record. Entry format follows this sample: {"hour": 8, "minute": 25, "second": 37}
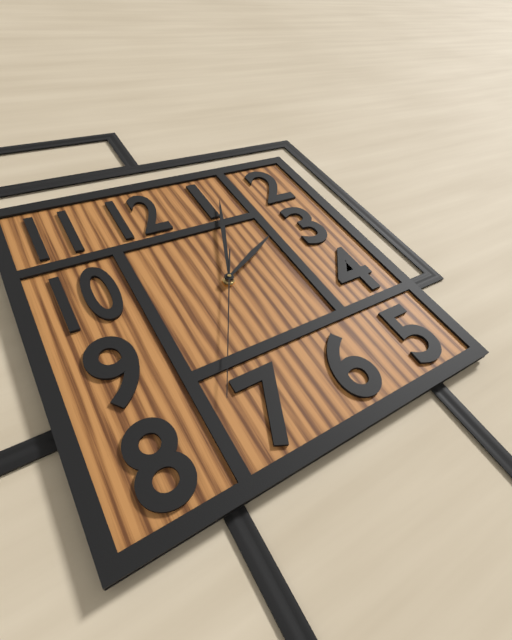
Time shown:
{"hour": 2, "minute": 4, "second": 35}
